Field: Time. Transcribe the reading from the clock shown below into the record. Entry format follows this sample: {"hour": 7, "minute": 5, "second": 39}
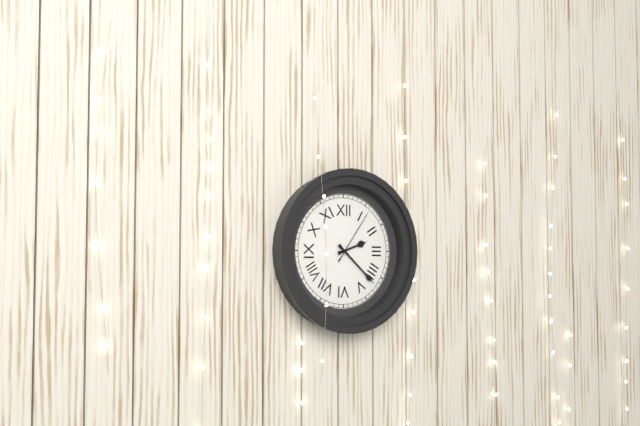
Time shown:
{"hour": 2, "minute": 22, "second": 6}
